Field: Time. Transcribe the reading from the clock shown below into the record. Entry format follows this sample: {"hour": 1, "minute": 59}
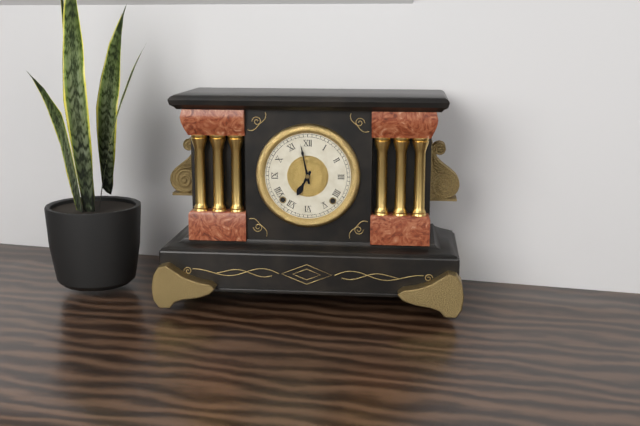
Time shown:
{"hour": 6, "minute": 58}
